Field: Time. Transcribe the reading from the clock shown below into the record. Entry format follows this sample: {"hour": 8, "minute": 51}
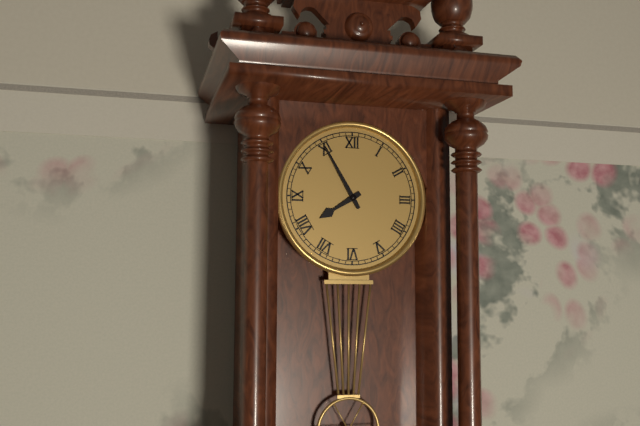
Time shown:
{"hour": 7, "minute": 55}
